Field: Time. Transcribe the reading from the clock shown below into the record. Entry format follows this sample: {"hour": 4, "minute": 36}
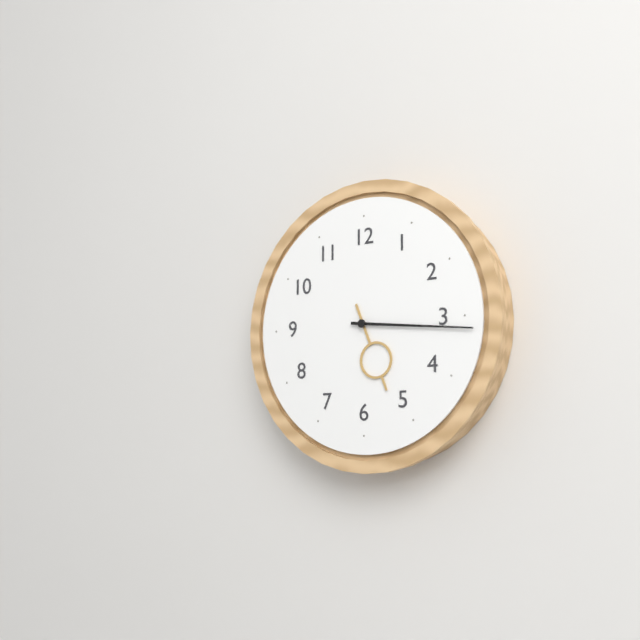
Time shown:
{"hour": 5, "minute": 16}
